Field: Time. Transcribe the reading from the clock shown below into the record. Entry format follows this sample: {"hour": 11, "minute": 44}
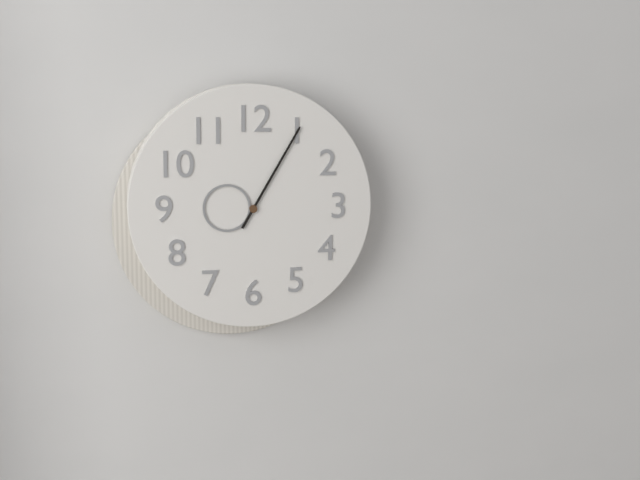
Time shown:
{"hour": 9, "minute": 5}
